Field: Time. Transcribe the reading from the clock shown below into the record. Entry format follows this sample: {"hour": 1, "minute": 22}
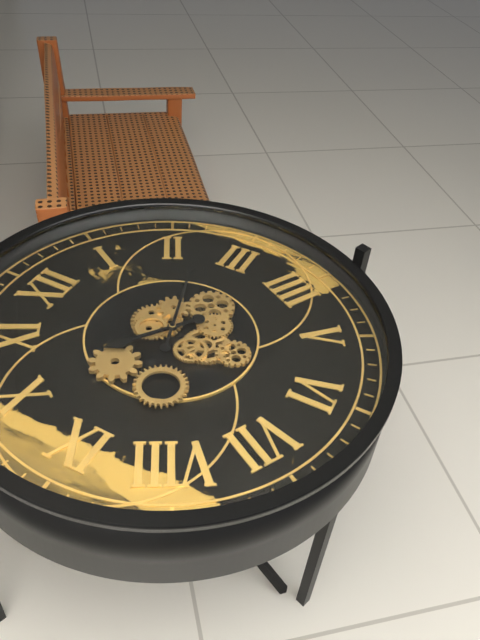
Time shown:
{"hour": 10, "minute": 12}
